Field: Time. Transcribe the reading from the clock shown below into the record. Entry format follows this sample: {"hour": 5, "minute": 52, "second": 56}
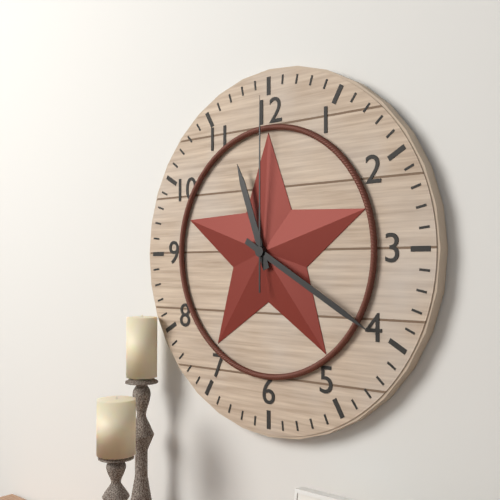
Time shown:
{"hour": 11, "minute": 20, "second": 0}
